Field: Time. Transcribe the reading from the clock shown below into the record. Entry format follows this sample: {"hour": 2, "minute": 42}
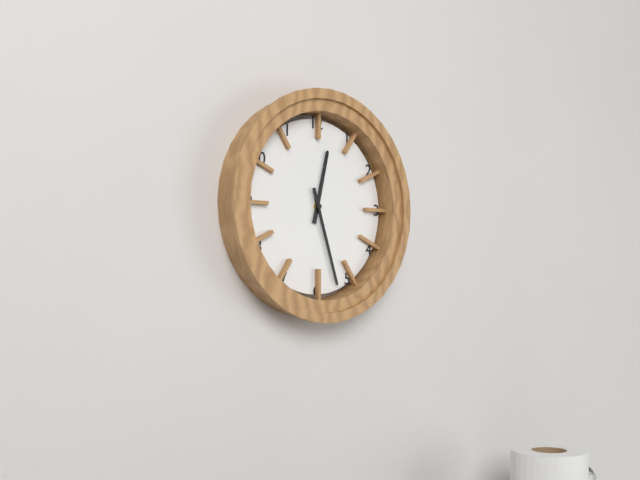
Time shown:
{"hour": 12, "minute": 27}
